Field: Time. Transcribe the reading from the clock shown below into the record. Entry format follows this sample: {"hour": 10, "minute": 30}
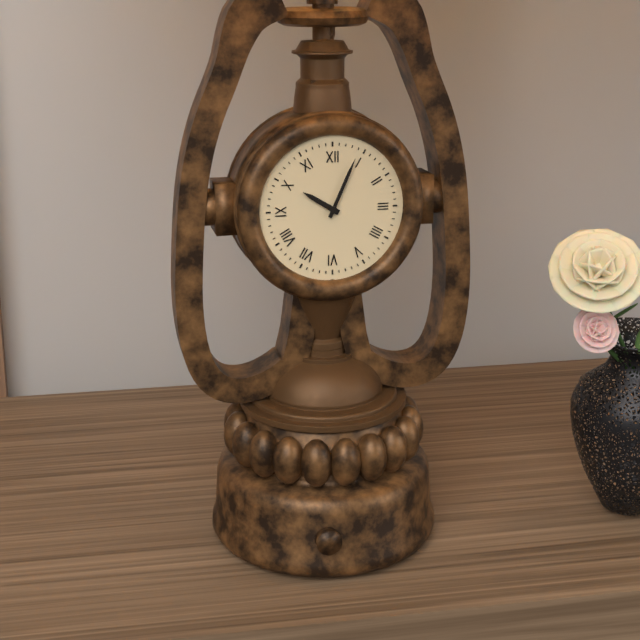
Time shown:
{"hour": 10, "minute": 4}
